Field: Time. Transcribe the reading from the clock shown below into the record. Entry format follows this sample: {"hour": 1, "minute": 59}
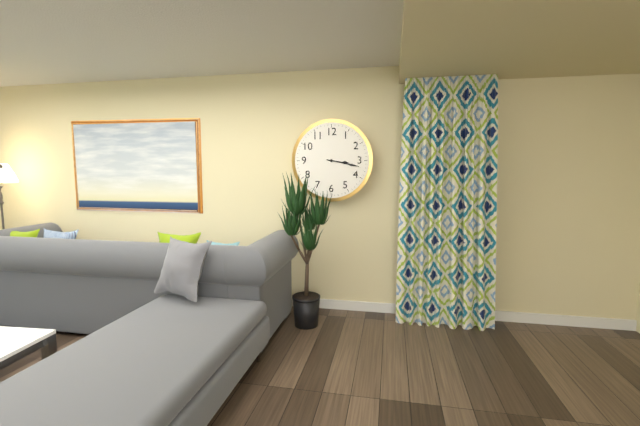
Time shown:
{"hour": 3, "minute": 17}
